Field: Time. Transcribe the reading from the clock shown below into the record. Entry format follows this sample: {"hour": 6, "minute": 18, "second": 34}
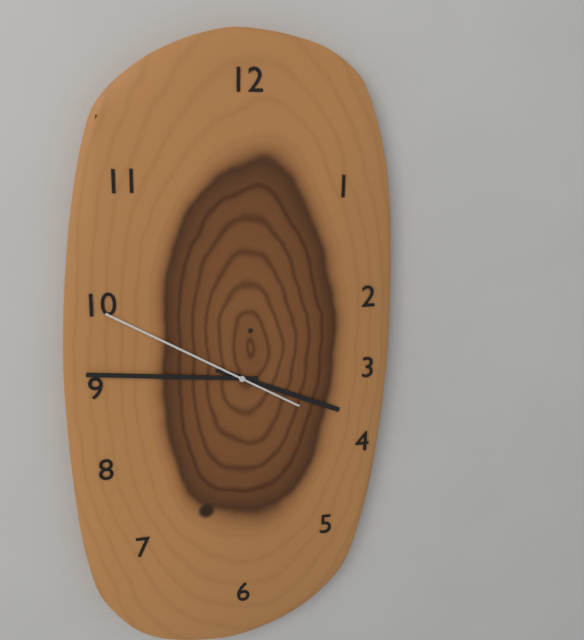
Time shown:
{"hour": 3, "minute": 46, "second": 50}
